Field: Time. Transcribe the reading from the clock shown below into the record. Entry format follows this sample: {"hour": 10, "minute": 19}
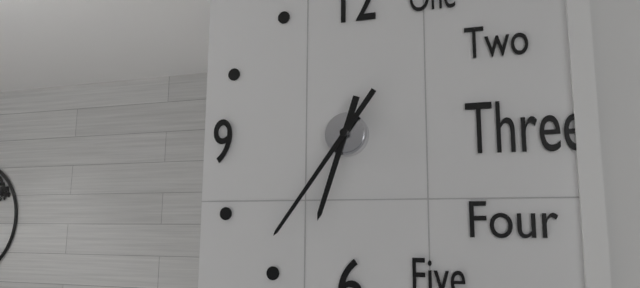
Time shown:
{"hour": 6, "minute": 36}
